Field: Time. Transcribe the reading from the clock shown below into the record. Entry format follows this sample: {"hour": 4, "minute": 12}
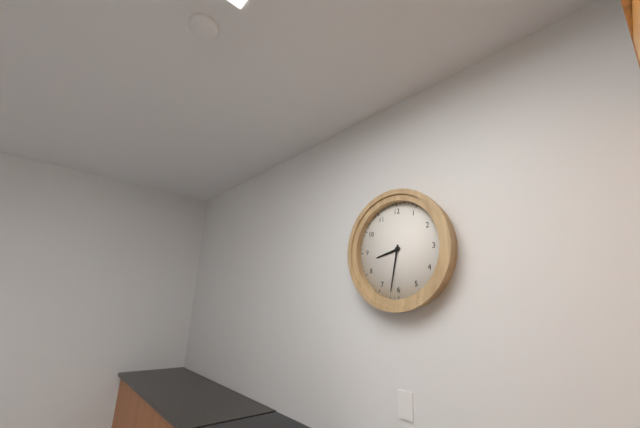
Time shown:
{"hour": 8, "minute": 32}
